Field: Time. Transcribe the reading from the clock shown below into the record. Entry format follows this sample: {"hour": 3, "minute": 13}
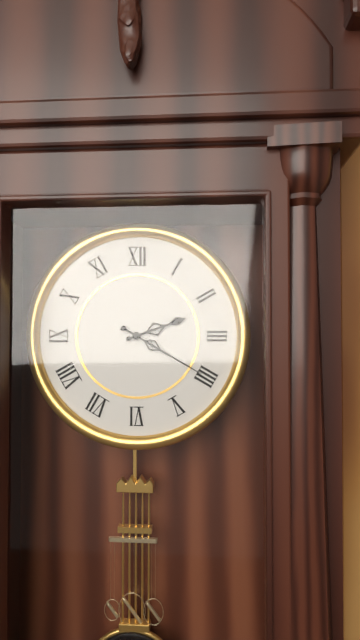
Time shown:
{"hour": 2, "minute": 20}
